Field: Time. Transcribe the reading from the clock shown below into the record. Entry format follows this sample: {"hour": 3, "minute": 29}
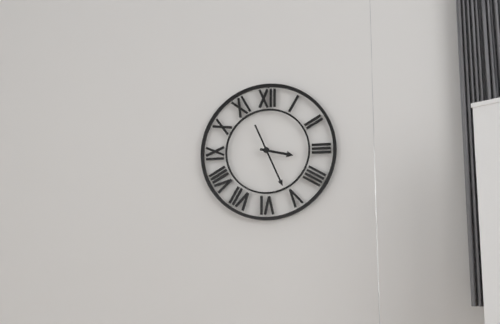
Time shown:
{"hour": 3, "minute": 26}
